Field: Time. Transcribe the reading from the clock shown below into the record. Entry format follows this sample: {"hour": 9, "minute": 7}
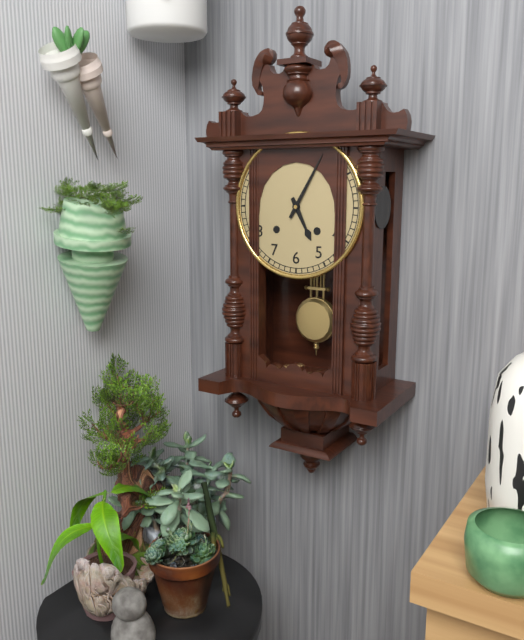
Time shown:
{"hour": 5, "minute": 5}
